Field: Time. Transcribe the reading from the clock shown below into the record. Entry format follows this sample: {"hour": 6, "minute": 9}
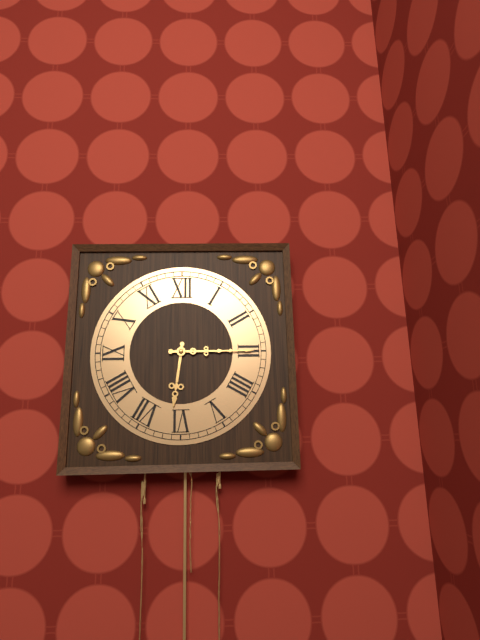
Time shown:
{"hour": 6, "minute": 15}
